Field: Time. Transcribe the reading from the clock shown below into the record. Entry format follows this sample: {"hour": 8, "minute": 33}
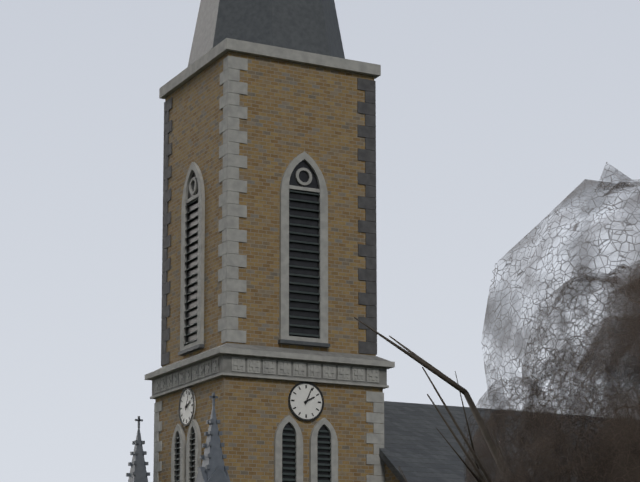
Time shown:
{"hour": 2, "minute": 4}
